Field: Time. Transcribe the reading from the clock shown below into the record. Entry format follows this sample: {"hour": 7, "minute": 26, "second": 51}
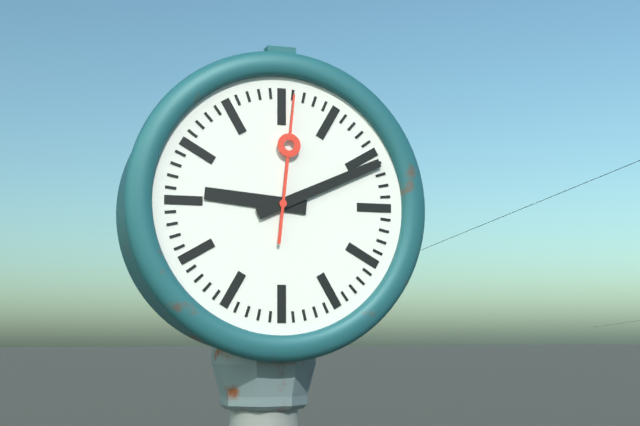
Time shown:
{"hour": 9, "minute": 11, "second": 1}
